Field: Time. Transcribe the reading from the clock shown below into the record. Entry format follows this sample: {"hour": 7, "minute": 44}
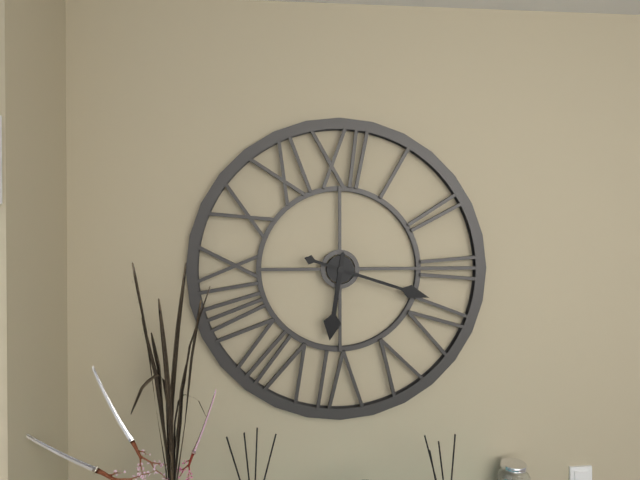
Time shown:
{"hour": 6, "minute": 18}
